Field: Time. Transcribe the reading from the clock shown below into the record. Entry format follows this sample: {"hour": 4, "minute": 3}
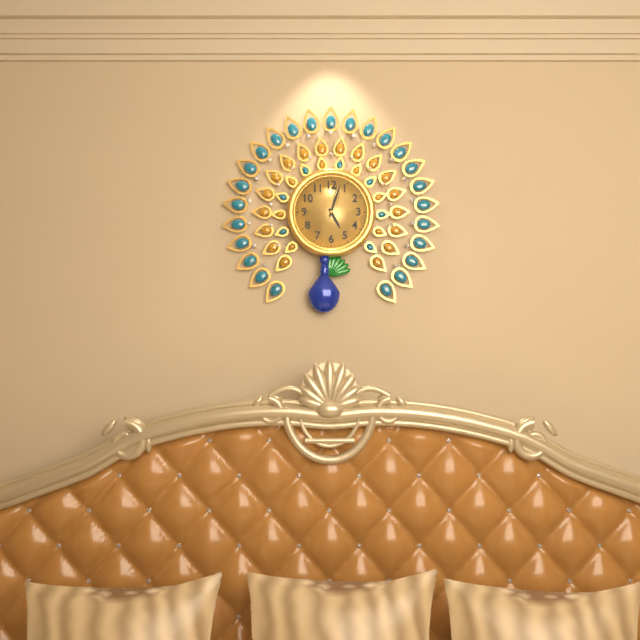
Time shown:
{"hour": 5, "minute": 3}
